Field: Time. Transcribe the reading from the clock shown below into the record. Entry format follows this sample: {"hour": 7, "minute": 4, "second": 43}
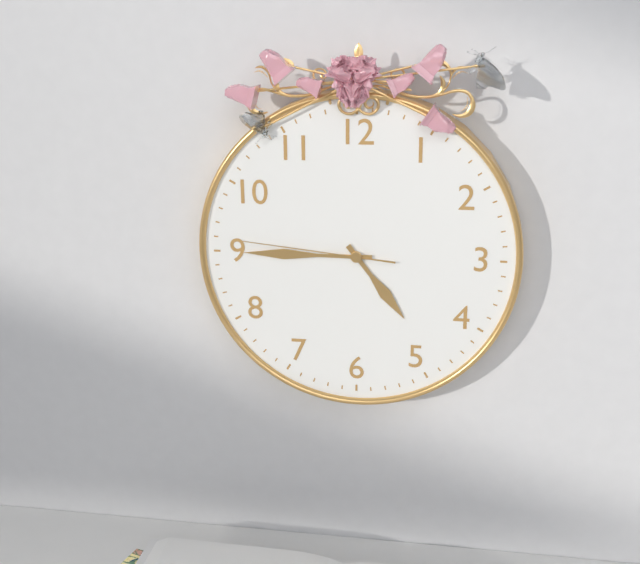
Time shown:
{"hour": 4, "minute": 45, "second": 46}
